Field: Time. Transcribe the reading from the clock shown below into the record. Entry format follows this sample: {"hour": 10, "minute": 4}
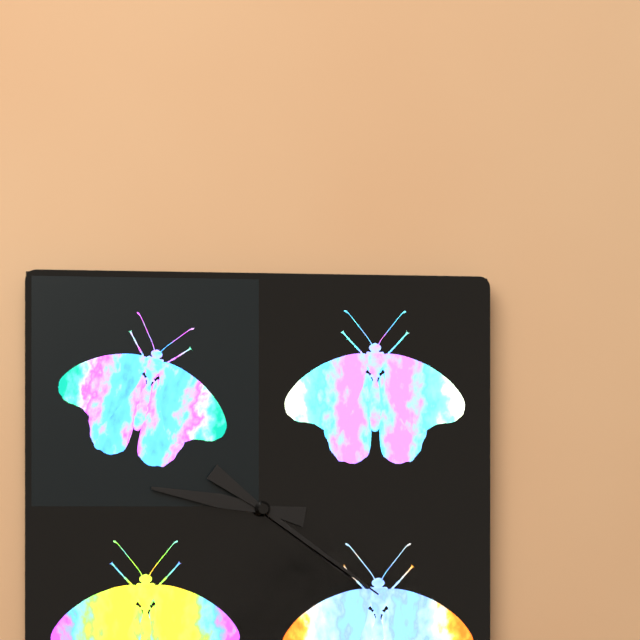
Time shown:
{"hour": 9, "minute": 21}
